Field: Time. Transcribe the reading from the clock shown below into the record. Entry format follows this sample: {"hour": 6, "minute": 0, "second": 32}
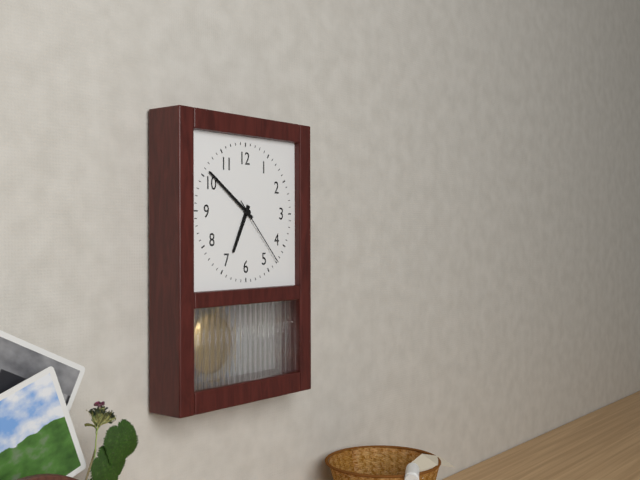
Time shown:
{"hour": 6, "minute": 51, "second": 23}
